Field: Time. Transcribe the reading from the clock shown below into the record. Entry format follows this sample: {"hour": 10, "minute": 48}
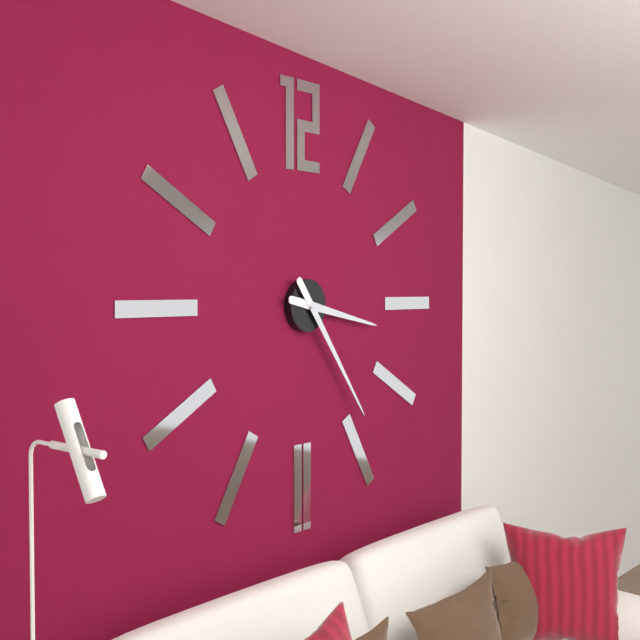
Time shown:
{"hour": 3, "minute": 24}
